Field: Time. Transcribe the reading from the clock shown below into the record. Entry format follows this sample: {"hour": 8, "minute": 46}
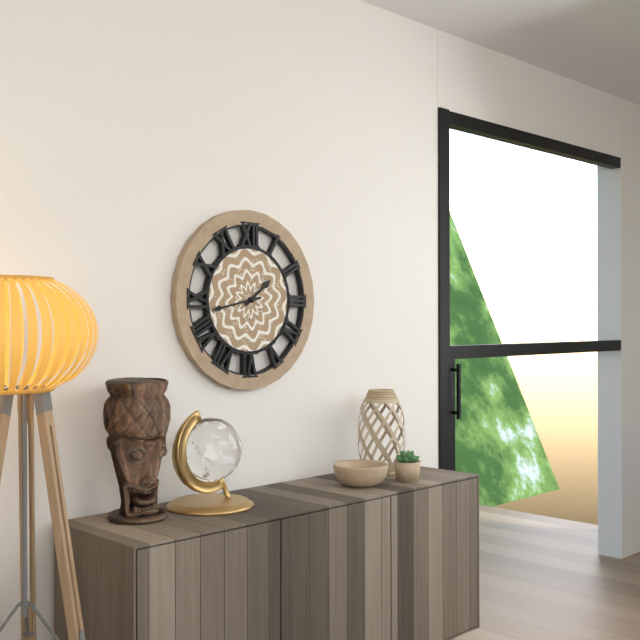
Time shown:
{"hour": 1, "minute": 43}
